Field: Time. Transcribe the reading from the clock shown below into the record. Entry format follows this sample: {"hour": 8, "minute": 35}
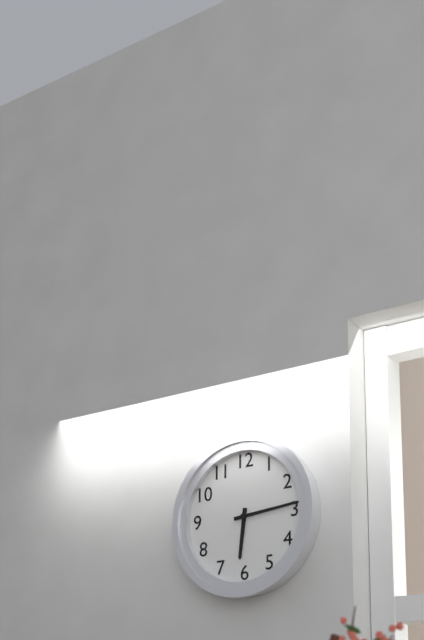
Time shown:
{"hour": 6, "minute": 14}
